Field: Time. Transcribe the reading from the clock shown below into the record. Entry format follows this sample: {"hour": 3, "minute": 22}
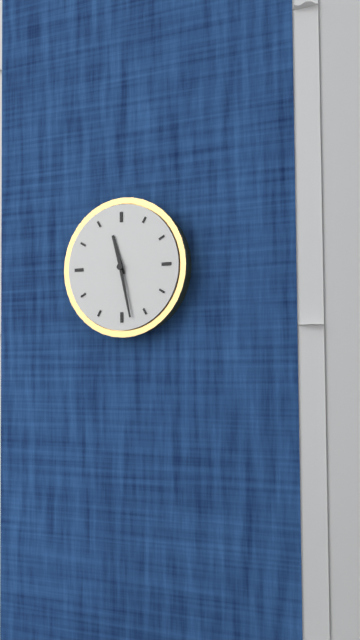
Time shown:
{"hour": 11, "minute": 28}
